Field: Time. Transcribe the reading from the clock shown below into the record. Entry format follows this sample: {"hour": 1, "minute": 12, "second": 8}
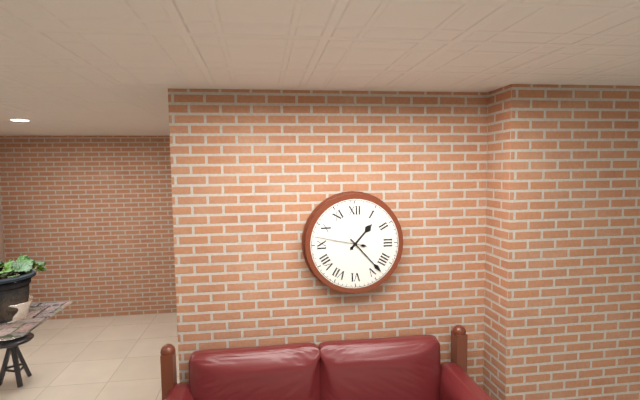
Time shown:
{"hour": 1, "minute": 23, "second": 47}
